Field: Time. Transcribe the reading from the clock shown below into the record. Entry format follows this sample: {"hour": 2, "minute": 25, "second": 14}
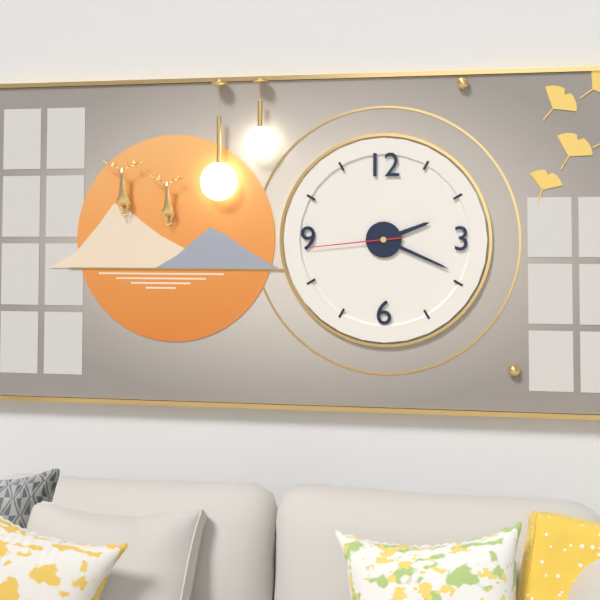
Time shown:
{"hour": 2, "minute": 19, "second": 44}
